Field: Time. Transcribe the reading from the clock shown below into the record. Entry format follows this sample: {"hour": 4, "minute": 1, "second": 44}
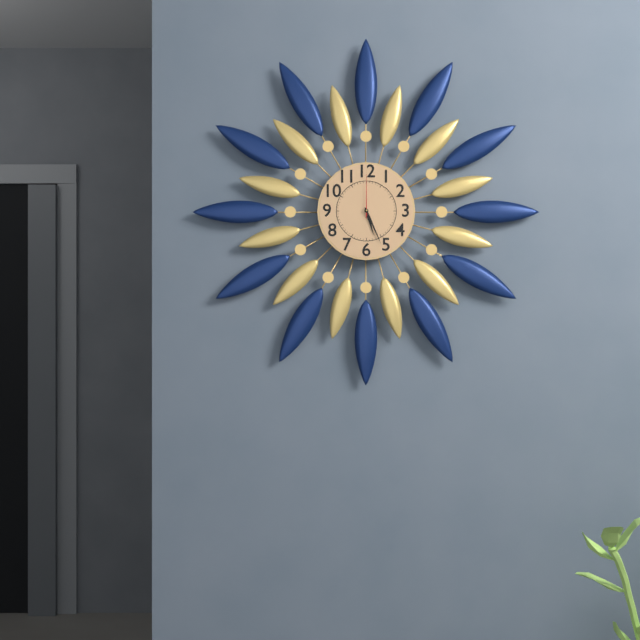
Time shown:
{"hour": 5, "minute": 26, "second": 0}
